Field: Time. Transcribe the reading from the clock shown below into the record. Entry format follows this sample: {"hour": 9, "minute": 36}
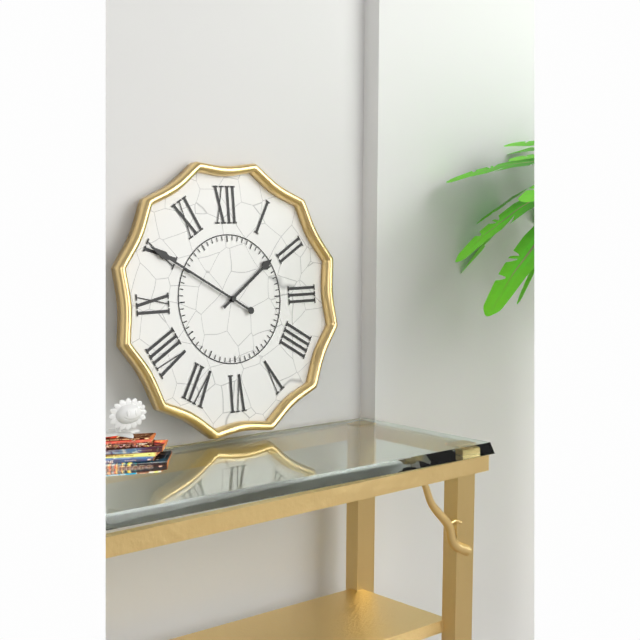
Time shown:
{"hour": 1, "minute": 50}
